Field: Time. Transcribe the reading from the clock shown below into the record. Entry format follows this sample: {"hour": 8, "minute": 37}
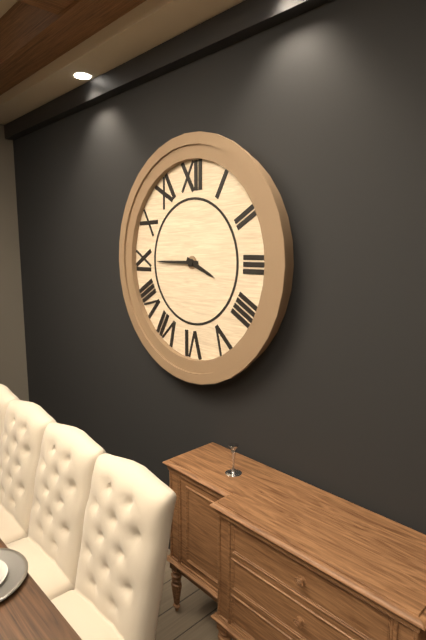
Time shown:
{"hour": 3, "minute": 45}
